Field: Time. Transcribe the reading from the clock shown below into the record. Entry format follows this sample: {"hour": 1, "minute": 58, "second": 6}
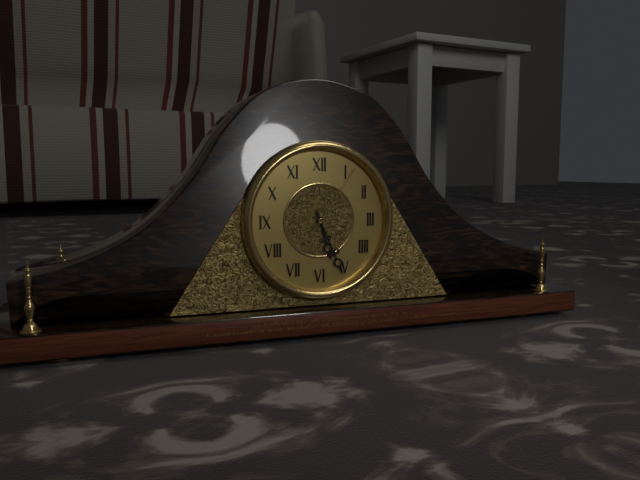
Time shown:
{"hour": 5, "minute": 26, "second": 6}
